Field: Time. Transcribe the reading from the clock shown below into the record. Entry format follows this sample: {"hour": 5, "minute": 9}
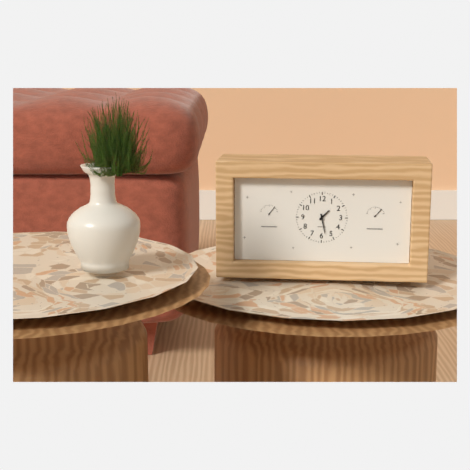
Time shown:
{"hour": 1, "minute": 28}
